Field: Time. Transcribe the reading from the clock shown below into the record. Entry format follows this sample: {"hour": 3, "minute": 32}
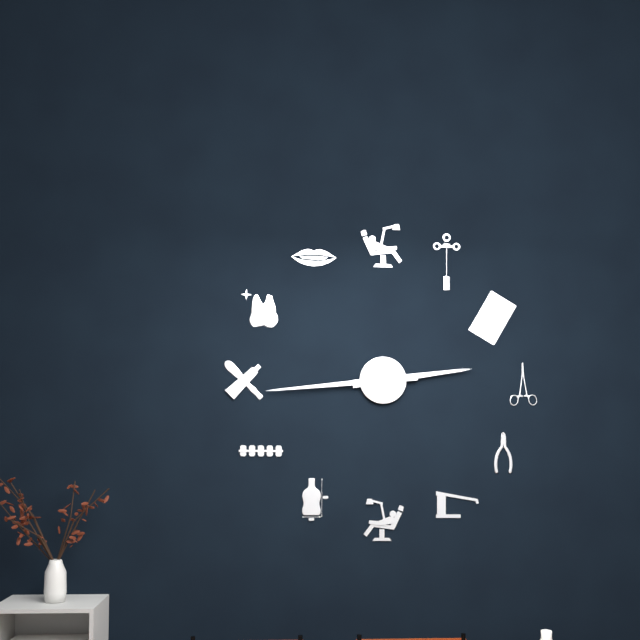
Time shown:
{"hour": 2, "minute": 44}
